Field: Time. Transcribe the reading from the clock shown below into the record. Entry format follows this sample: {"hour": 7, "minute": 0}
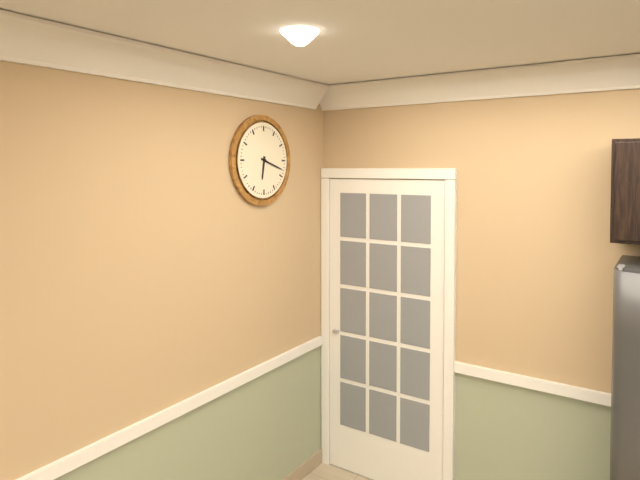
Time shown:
{"hour": 6, "minute": 18}
